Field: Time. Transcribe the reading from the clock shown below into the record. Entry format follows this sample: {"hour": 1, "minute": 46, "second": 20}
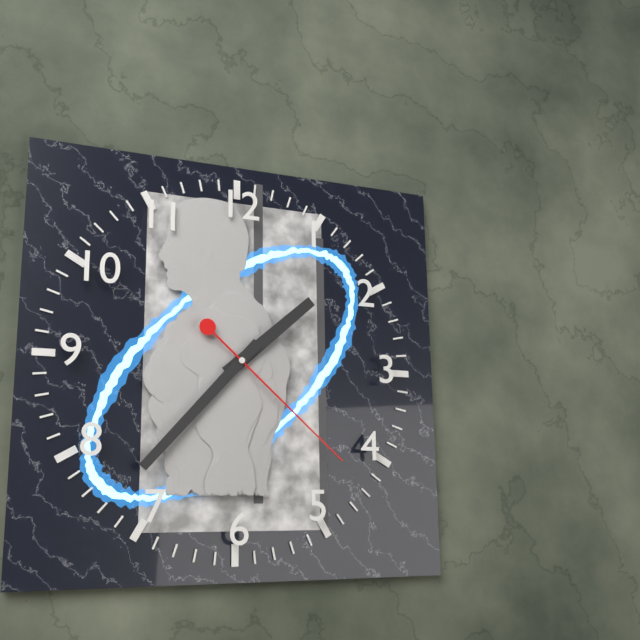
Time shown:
{"hour": 1, "minute": 37, "second": 22}
